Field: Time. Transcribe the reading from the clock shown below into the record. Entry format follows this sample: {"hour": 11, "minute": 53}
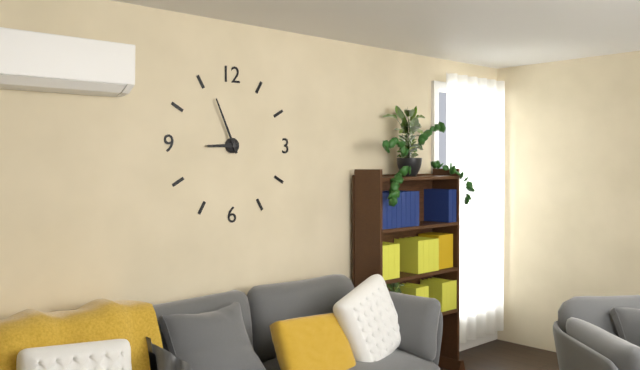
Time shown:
{"hour": 8, "minute": 56}
